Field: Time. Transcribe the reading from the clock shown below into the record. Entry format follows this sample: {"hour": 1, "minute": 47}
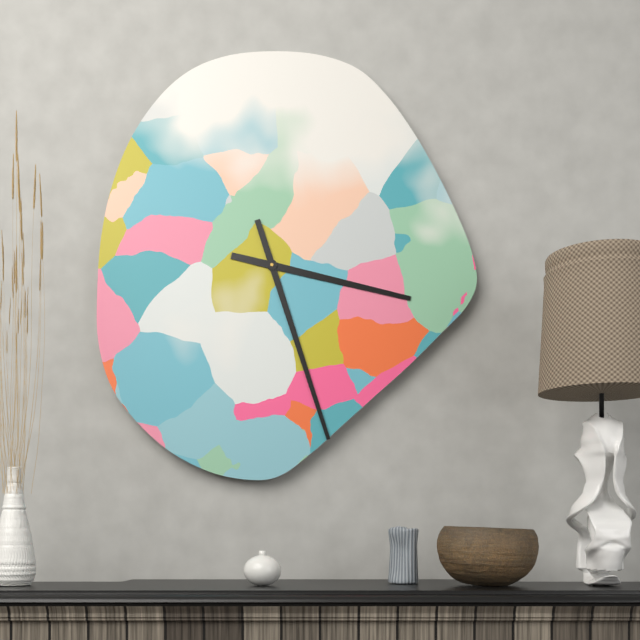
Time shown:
{"hour": 3, "minute": 27}
